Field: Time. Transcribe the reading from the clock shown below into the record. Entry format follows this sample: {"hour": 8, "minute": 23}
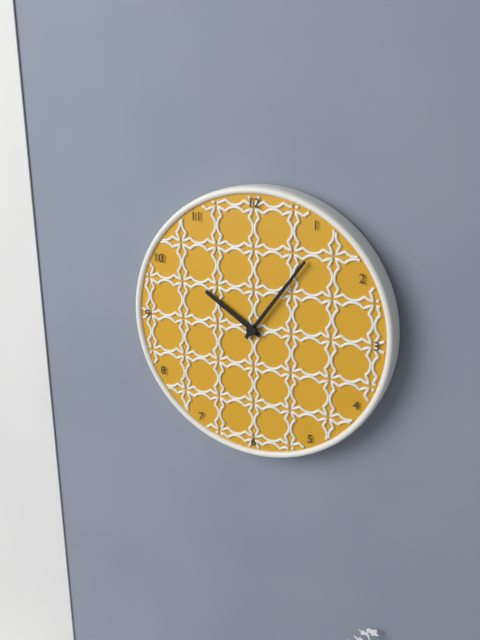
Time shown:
{"hour": 10, "minute": 6}
